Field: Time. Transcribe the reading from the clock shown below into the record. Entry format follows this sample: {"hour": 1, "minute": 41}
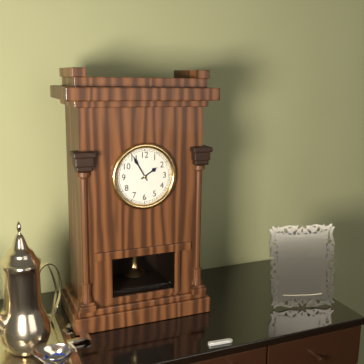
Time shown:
{"hour": 1, "minute": 55}
